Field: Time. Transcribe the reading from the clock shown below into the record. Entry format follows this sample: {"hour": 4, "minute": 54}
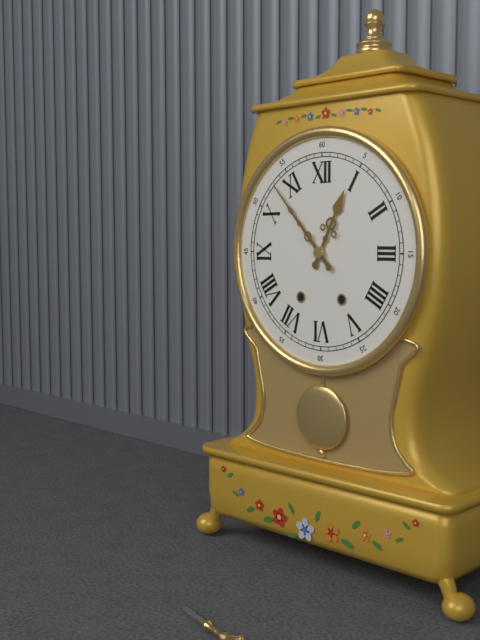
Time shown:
{"hour": 12, "minute": 53}
